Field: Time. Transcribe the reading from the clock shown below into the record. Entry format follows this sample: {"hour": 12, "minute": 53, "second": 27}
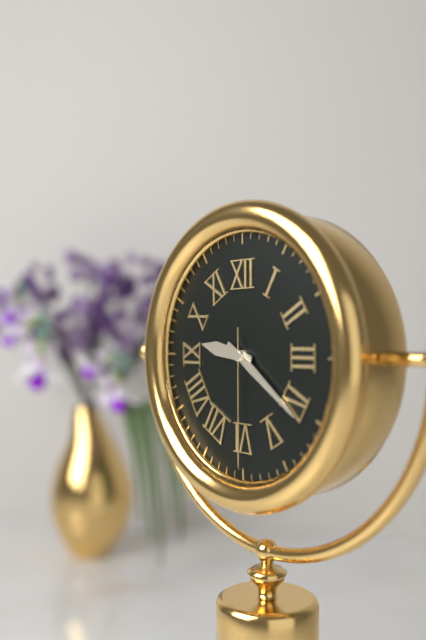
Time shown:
{"hour": 9, "minute": 21, "second": 30}
